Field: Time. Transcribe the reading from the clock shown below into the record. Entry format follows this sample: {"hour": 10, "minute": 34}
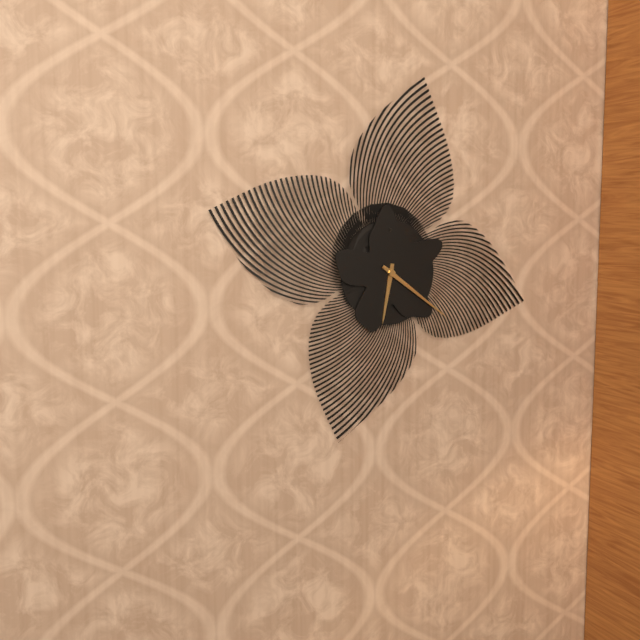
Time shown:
{"hour": 6, "minute": 21}
